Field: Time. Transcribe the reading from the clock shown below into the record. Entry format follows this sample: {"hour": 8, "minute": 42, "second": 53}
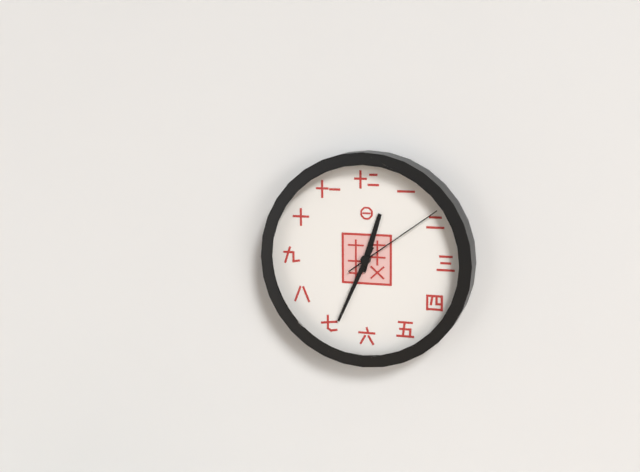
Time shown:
{"hour": 12, "minute": 34, "second": 9}
